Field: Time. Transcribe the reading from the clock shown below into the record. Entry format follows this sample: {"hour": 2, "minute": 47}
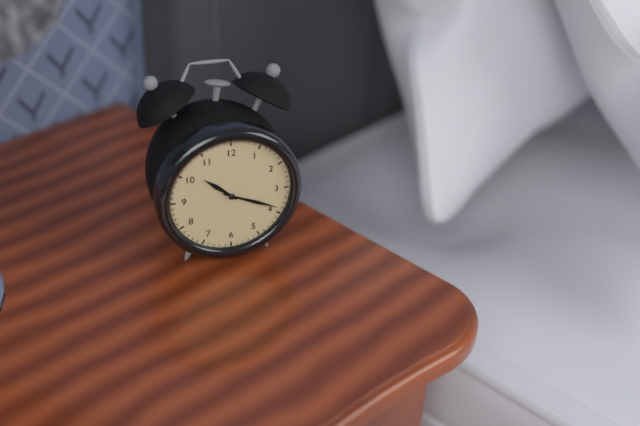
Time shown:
{"hour": 10, "minute": 19}
